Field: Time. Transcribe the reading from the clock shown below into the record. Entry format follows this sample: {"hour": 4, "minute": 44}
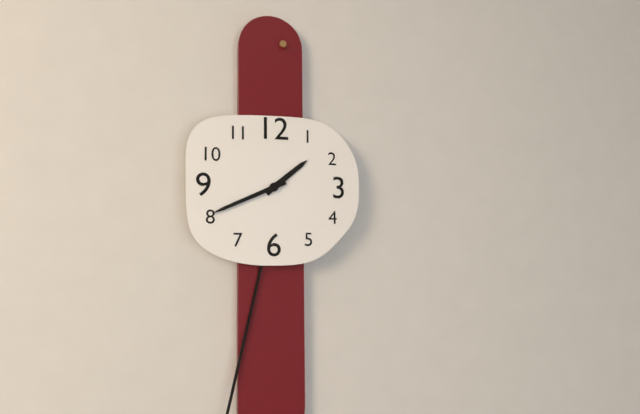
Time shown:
{"hour": 1, "minute": 41}
